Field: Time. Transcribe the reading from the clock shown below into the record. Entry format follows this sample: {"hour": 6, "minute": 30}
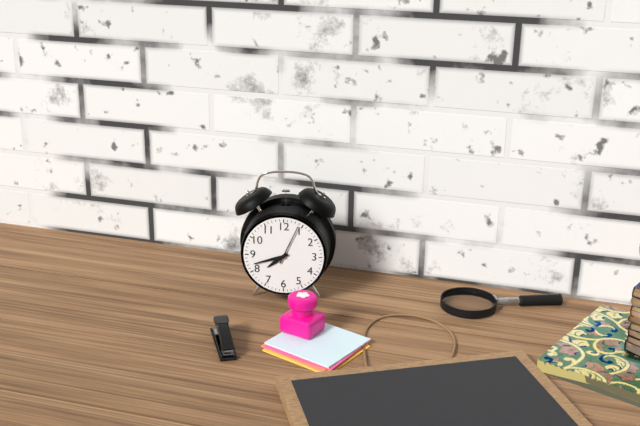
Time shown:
{"hour": 7, "minute": 42}
